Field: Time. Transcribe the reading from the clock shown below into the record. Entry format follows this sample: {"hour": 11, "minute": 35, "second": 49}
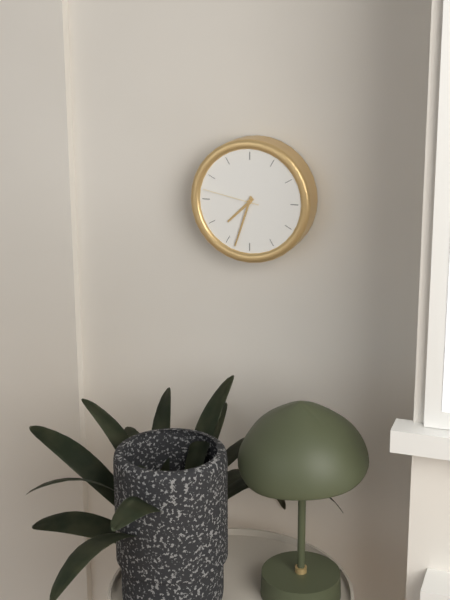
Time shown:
{"hour": 7, "minute": 33, "second": 47}
